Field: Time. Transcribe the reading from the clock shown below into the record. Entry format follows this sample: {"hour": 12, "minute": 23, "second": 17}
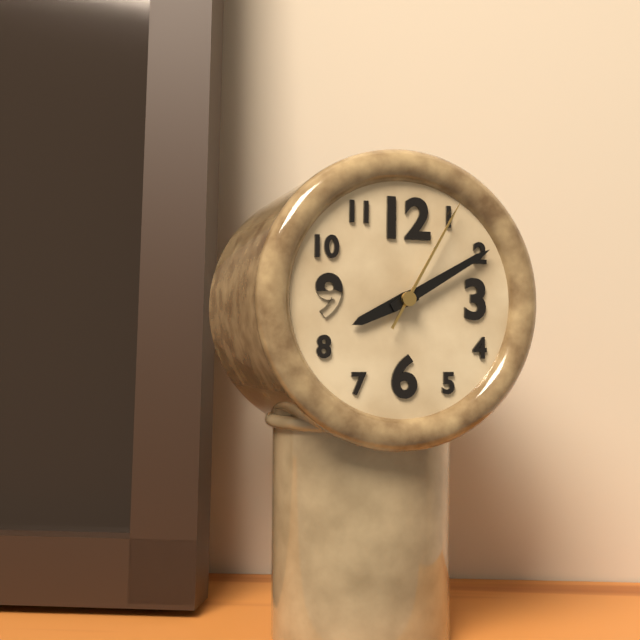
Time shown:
{"hour": 8, "minute": 10, "second": 5}
